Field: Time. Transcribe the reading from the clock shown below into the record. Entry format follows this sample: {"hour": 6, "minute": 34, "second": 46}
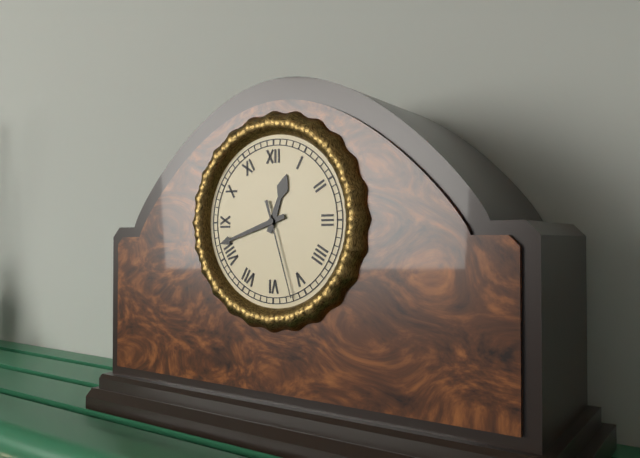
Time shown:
{"hour": 12, "minute": 42, "second": 27}
